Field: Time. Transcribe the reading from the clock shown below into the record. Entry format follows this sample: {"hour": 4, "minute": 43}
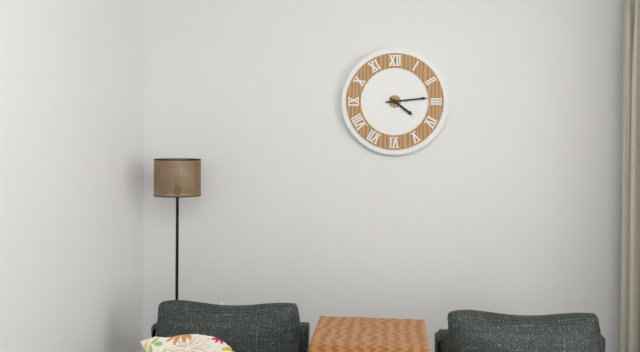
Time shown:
{"hour": 4, "minute": 14}
